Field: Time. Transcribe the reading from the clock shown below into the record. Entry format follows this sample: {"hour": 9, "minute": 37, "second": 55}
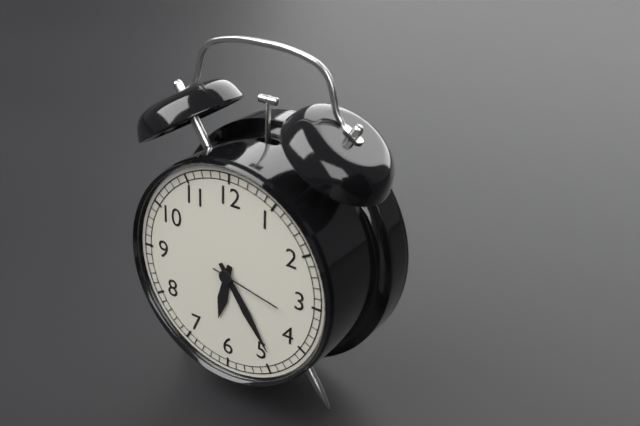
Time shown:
{"hour": 6, "minute": 24, "second": 17}
